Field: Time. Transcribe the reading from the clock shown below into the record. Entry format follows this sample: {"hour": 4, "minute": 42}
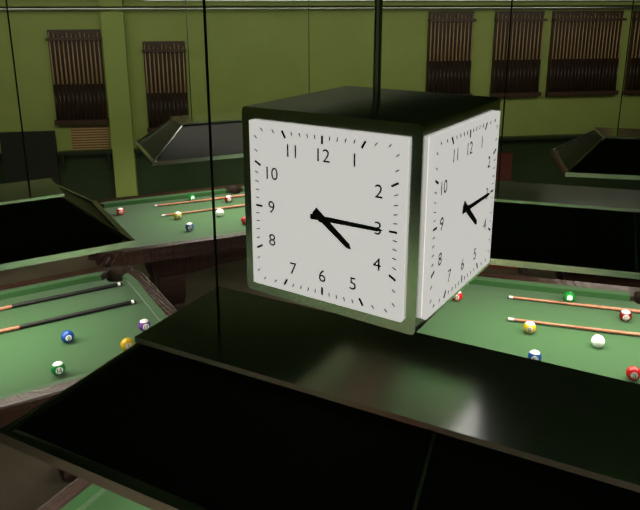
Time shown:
{"hour": 4, "minute": 15}
